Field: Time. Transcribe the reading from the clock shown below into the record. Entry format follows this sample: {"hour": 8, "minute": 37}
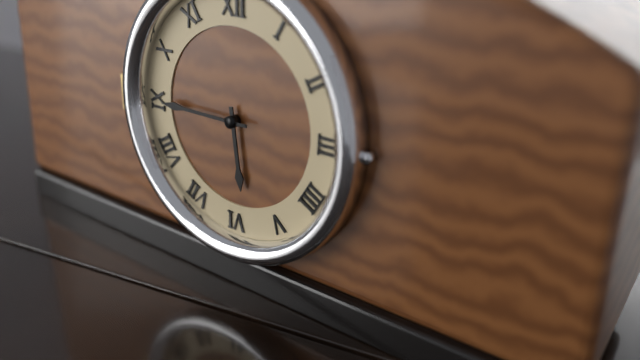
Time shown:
{"hour": 5, "minute": 45}
